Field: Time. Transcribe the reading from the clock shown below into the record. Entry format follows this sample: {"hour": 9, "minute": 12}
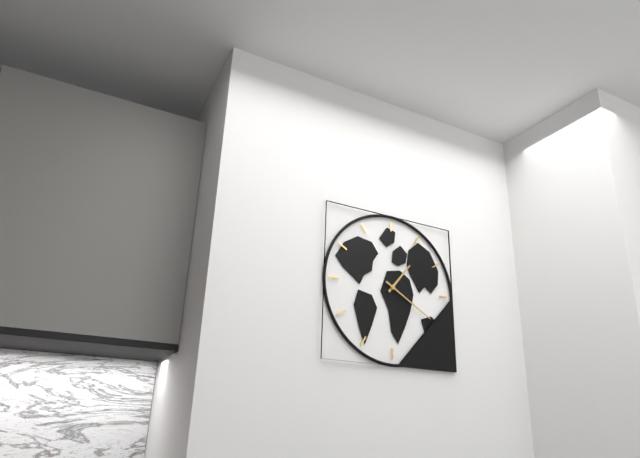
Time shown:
{"hour": 1, "minute": 20}
